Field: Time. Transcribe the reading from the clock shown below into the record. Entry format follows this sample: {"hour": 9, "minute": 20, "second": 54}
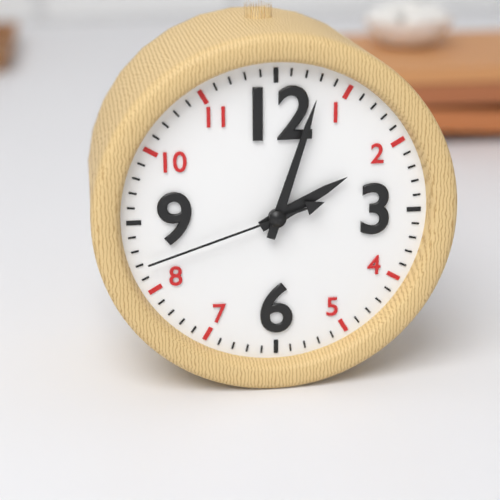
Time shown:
{"hour": 2, "minute": 3, "second": 42}
